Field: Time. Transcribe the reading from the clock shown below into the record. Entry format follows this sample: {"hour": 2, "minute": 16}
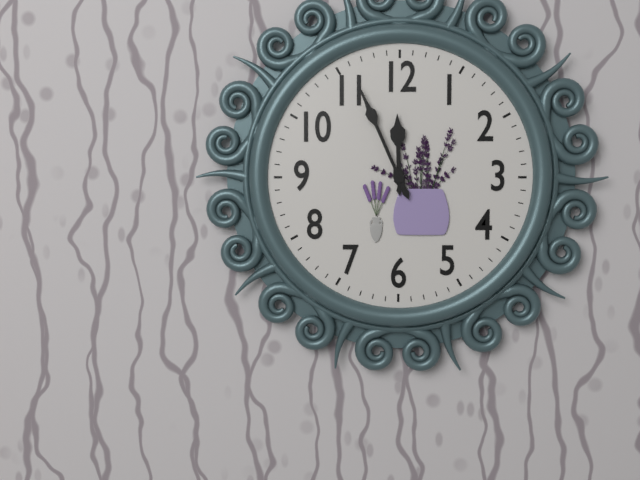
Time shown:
{"hour": 11, "minute": 56}
